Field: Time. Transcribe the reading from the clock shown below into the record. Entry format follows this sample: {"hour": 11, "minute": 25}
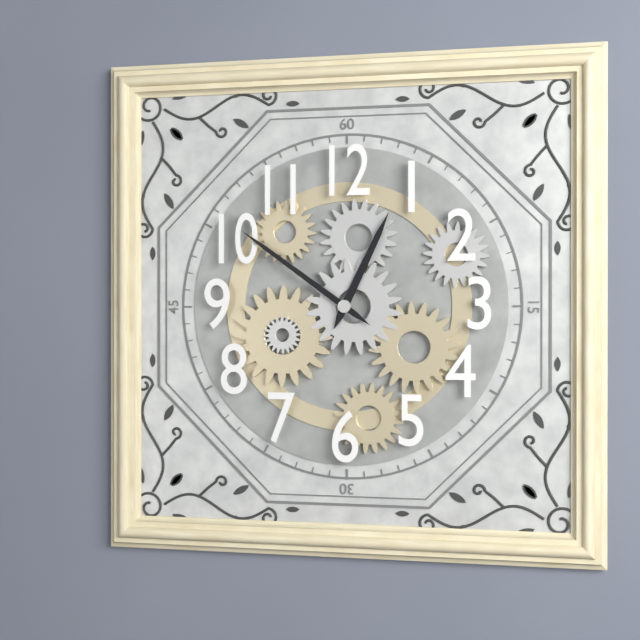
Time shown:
{"hour": 12, "minute": 51}
